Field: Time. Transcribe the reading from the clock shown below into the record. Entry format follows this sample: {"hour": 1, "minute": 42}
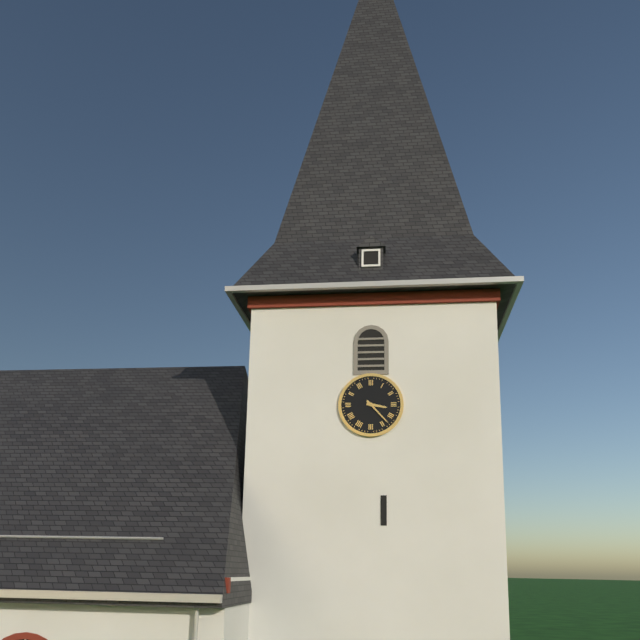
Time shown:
{"hour": 3, "minute": 23}
